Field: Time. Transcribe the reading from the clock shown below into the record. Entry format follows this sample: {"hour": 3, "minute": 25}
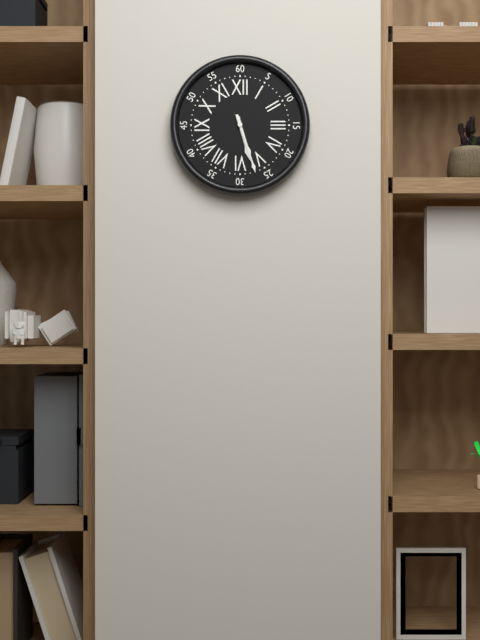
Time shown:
{"hour": 5, "minute": 27}
